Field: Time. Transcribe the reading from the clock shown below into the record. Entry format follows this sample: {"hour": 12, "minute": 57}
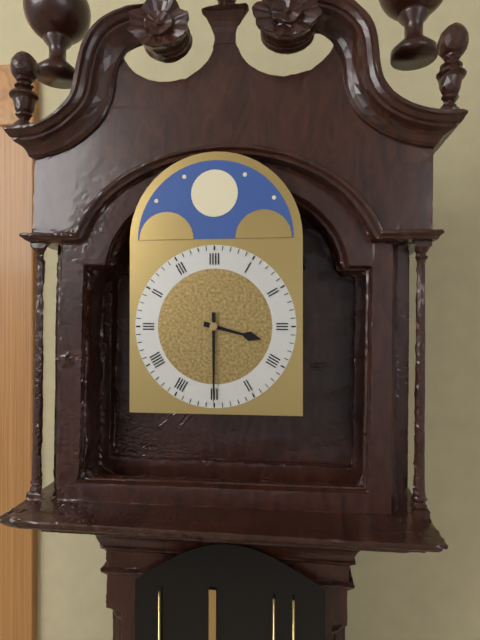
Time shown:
{"hour": 3, "minute": 30}
